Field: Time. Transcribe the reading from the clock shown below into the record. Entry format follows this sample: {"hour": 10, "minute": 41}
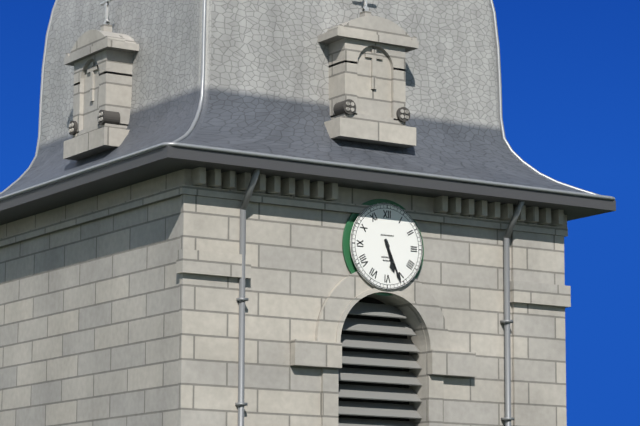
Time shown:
{"hour": 5, "minute": 26}
